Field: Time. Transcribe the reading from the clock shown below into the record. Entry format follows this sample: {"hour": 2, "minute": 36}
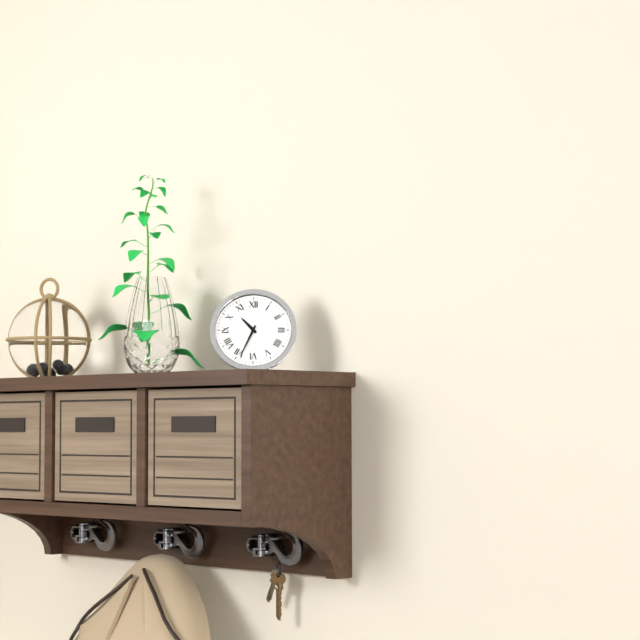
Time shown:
{"hour": 10, "minute": 34}
